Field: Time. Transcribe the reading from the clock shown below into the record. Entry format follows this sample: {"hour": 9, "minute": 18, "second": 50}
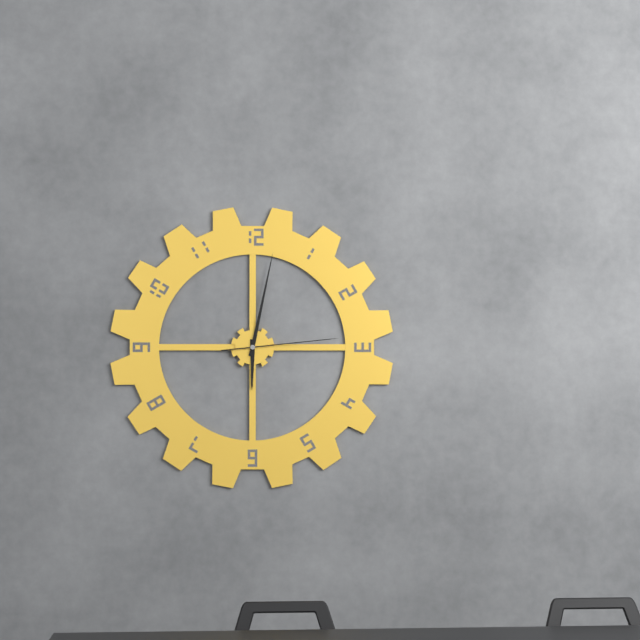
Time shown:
{"hour": 6, "minute": 2, "second": 14}
